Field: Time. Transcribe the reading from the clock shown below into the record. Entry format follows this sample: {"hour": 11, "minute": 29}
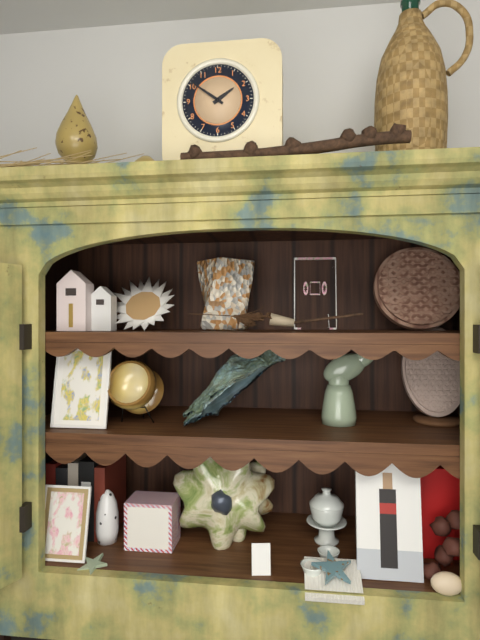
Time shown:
{"hour": 1, "minute": 51}
